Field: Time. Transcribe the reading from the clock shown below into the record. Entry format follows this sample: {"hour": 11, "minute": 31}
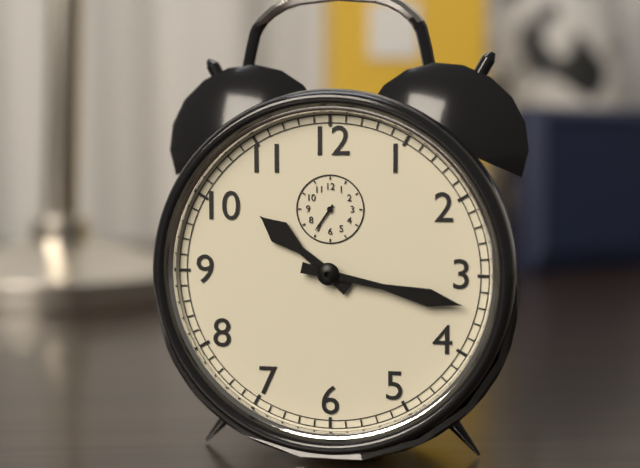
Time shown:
{"hour": 10, "minute": 17}
